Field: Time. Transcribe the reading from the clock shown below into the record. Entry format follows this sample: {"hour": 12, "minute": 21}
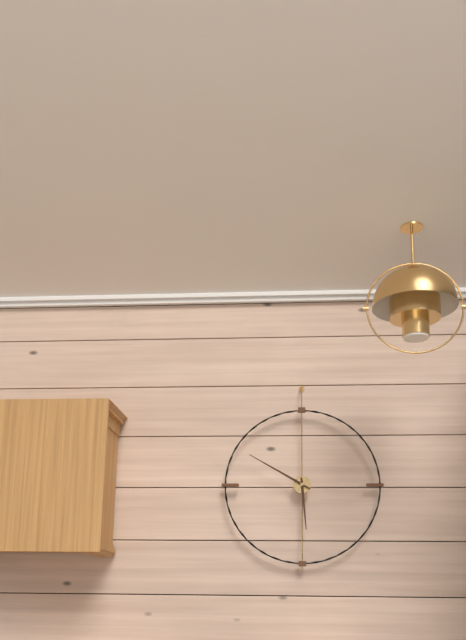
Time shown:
{"hour": 5, "minute": 50}
